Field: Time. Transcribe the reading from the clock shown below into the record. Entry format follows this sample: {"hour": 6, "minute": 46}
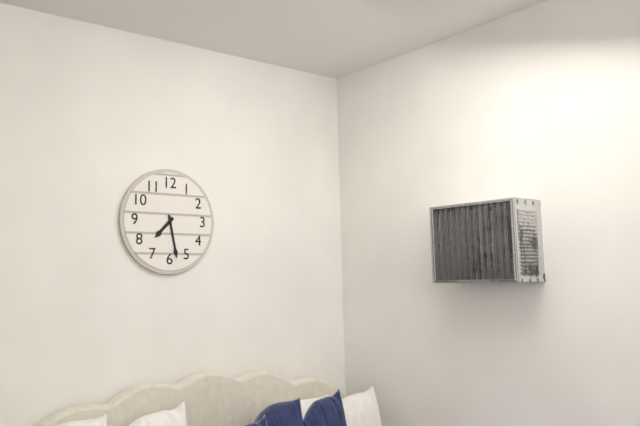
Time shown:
{"hour": 7, "minute": 28}
